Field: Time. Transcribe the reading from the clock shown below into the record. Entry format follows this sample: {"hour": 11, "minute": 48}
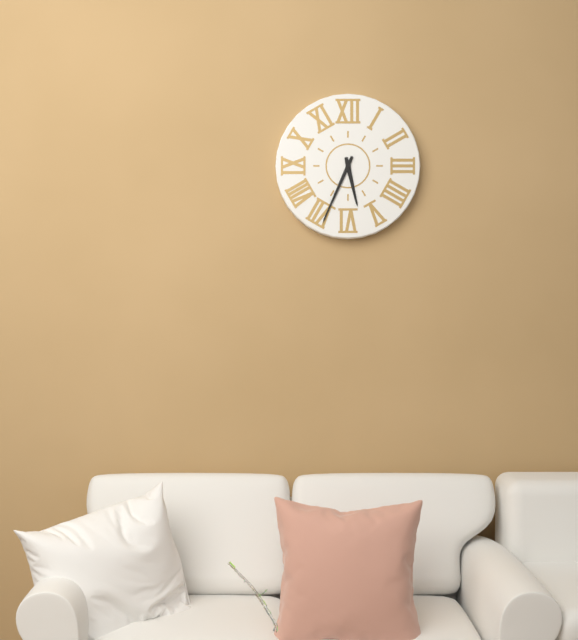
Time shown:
{"hour": 5, "minute": 34}
